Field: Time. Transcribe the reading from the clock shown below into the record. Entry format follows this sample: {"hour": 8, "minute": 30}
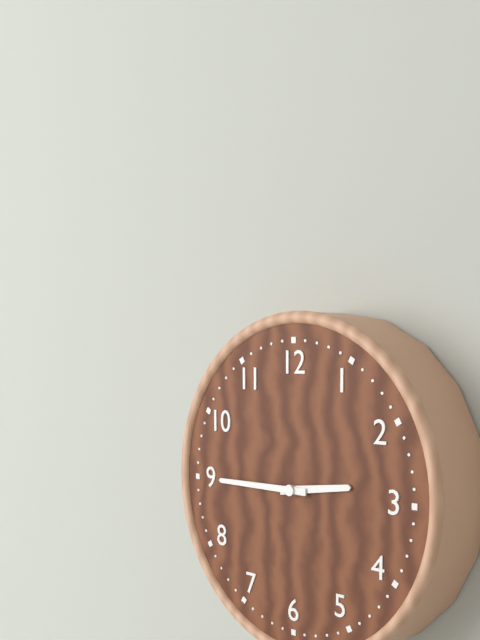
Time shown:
{"hour": 2, "minute": 45}
